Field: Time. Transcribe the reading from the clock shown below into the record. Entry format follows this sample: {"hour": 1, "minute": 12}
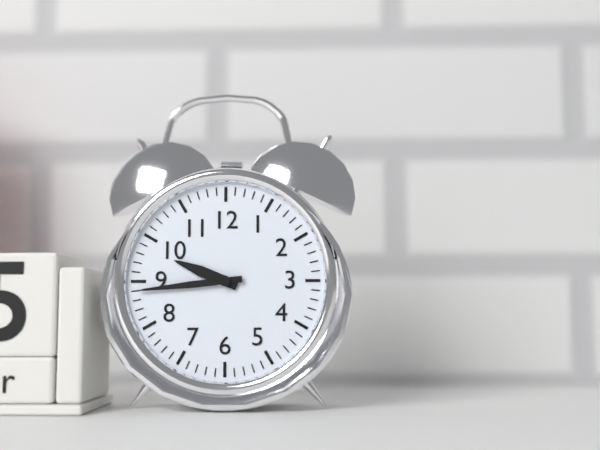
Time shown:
{"hour": 9, "minute": 44}
